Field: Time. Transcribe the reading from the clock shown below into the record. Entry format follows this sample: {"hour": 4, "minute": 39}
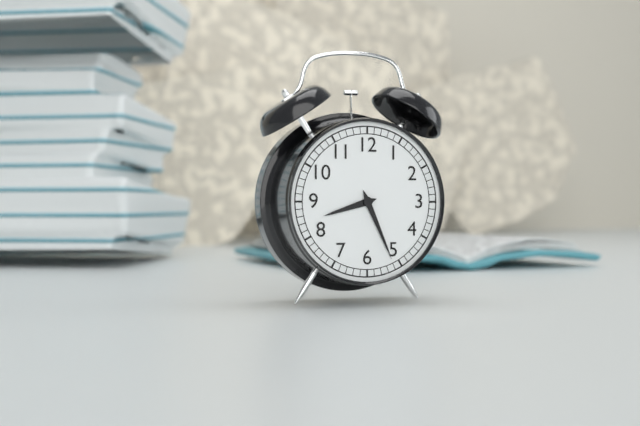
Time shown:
{"hour": 8, "minute": 26}
